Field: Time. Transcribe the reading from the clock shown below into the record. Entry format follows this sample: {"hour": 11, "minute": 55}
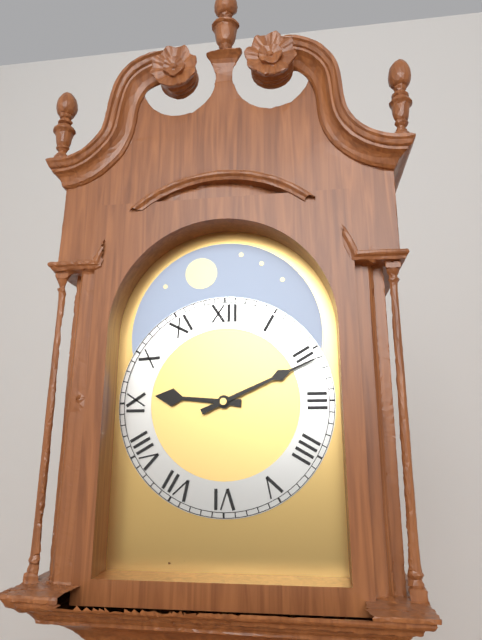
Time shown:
{"hour": 9, "minute": 11}
